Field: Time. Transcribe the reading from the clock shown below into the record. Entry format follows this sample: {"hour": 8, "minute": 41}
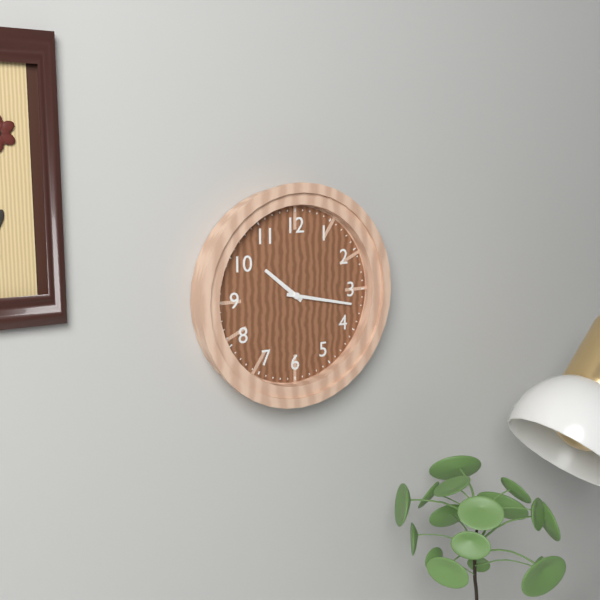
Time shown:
{"hour": 10, "minute": 17}
